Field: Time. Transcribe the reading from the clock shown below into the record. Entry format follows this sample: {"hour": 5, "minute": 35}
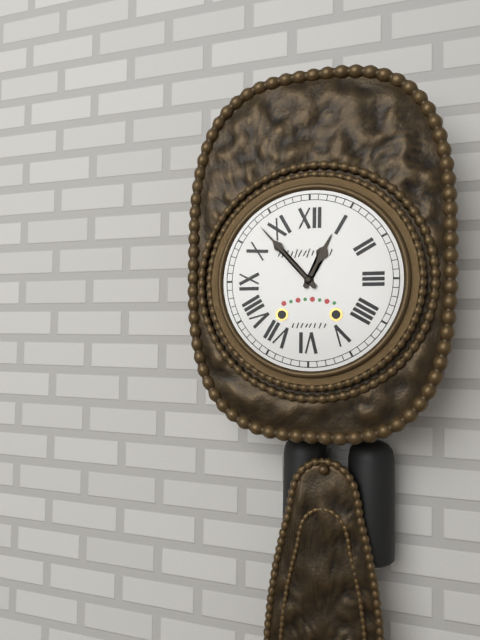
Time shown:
{"hour": 12, "minute": 53}
